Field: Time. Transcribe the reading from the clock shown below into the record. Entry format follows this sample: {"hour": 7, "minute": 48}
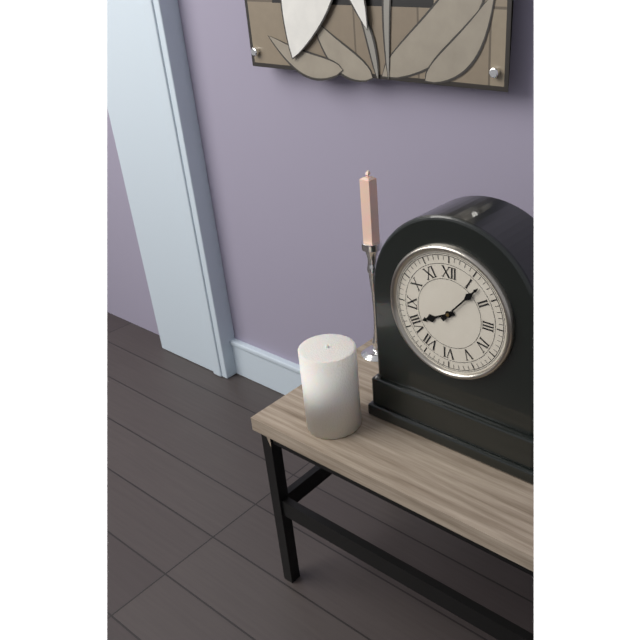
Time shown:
{"hour": 8, "minute": 7}
